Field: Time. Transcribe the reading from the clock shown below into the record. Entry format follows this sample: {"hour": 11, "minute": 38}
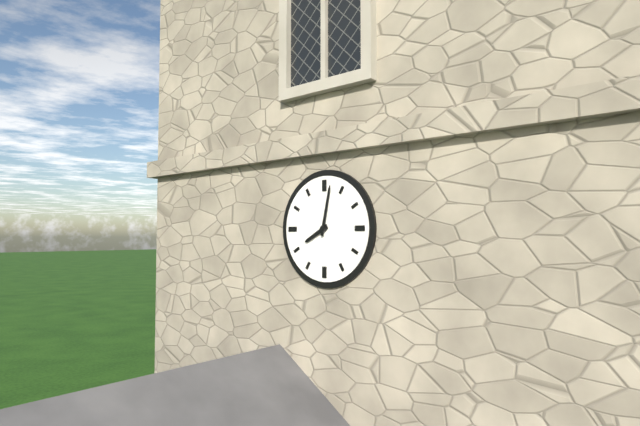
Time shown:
{"hour": 8, "minute": 2}
